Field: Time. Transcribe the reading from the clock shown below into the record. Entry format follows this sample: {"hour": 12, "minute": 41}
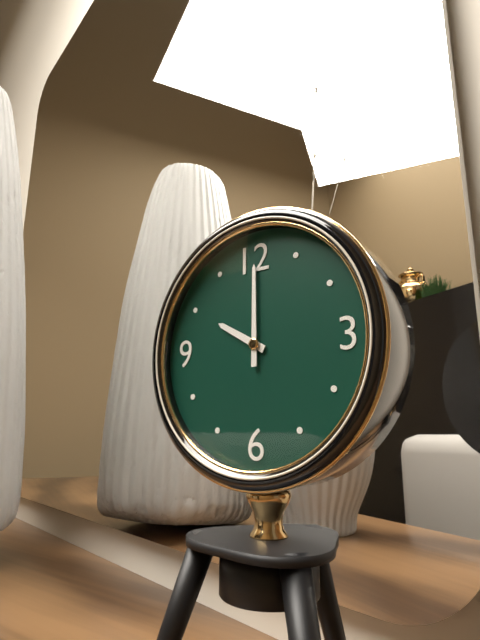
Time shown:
{"hour": 10, "minute": 0}
